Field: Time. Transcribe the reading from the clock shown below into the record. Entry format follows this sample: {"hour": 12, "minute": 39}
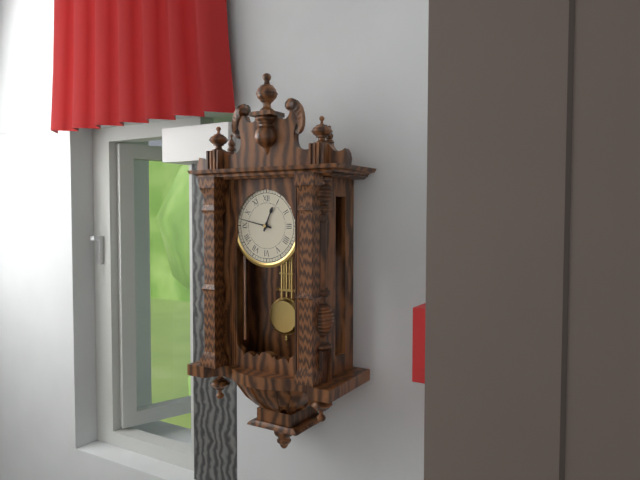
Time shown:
{"hour": 12, "minute": 47}
